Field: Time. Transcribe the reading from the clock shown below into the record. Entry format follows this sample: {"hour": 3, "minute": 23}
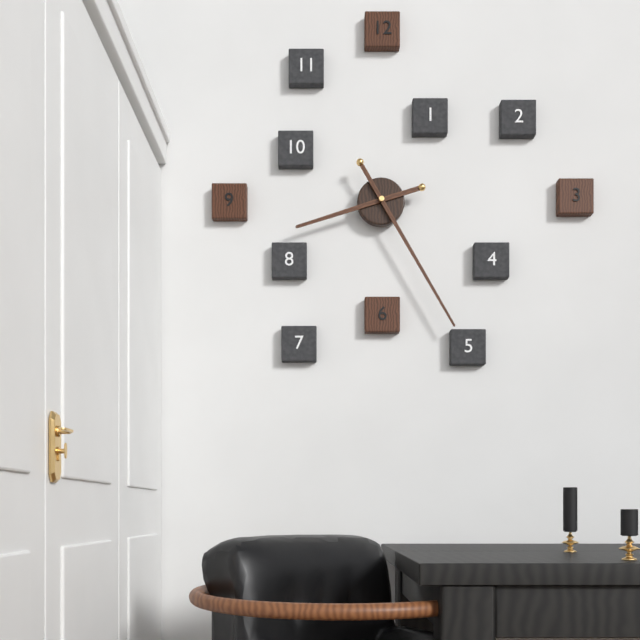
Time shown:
{"hour": 8, "minute": 25}
